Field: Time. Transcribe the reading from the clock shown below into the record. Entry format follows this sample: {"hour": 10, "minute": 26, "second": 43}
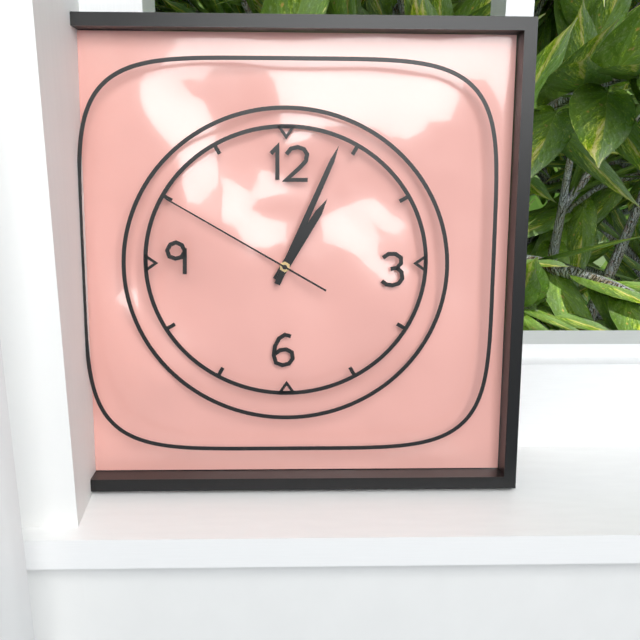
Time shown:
{"hour": 1, "minute": 4, "second": 50}
